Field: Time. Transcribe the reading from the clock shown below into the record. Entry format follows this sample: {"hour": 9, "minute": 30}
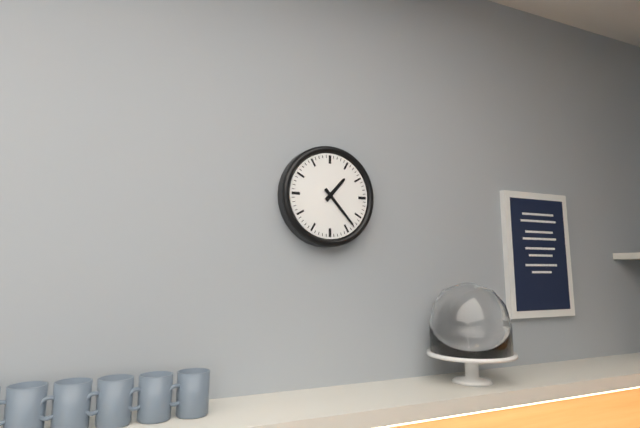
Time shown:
{"hour": 1, "minute": 23}
